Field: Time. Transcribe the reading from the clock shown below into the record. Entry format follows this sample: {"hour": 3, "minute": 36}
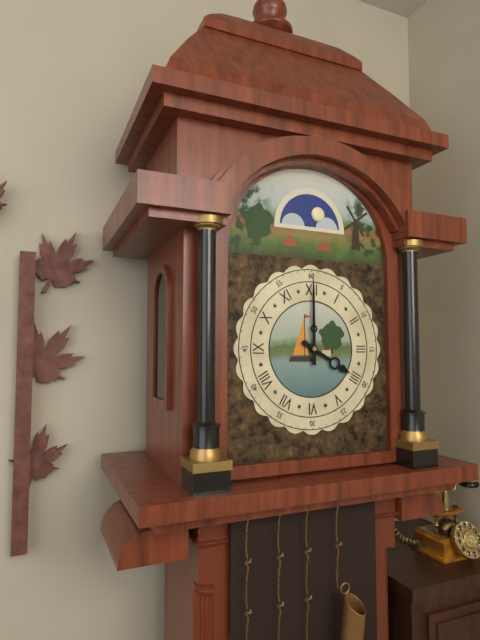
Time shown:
{"hour": 4, "minute": 0}
